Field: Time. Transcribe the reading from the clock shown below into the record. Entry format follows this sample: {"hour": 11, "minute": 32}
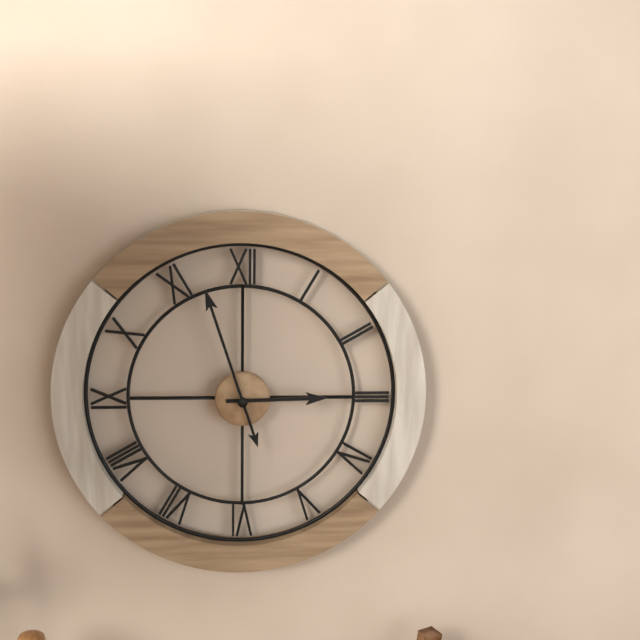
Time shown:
{"hour": 2, "minute": 57}
